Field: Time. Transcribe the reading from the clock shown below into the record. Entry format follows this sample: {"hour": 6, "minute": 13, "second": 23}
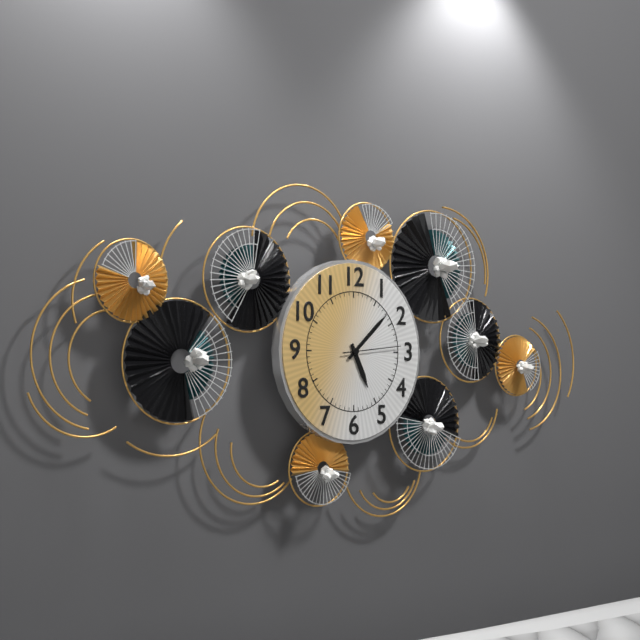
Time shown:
{"hour": 5, "minute": 8, "second": 14}
